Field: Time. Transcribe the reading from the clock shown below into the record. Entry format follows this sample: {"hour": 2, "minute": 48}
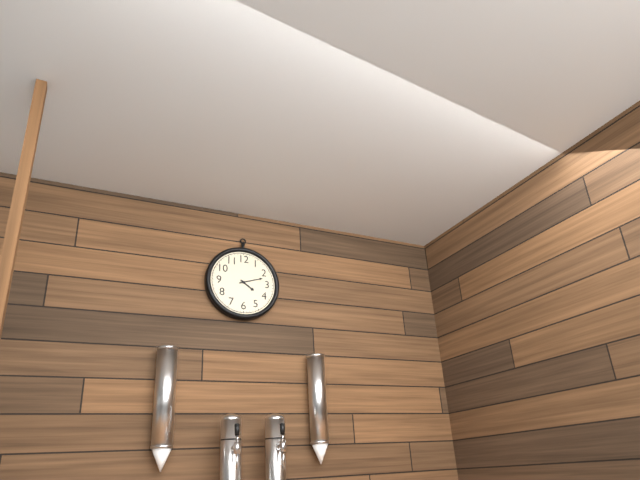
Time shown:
{"hour": 4, "minute": 12}
